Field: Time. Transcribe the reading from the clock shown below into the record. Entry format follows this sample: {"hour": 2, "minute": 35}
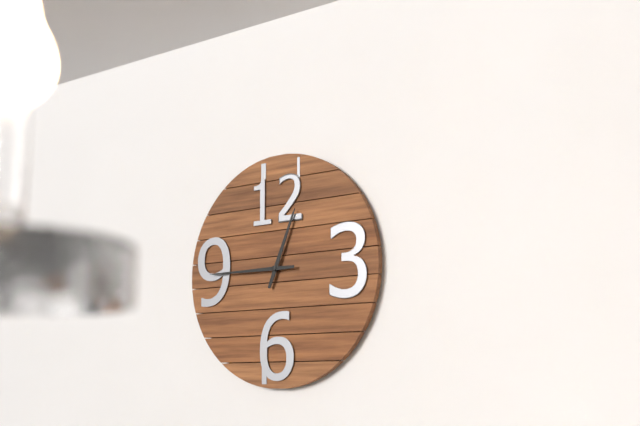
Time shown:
{"hour": 12, "minute": 45}
